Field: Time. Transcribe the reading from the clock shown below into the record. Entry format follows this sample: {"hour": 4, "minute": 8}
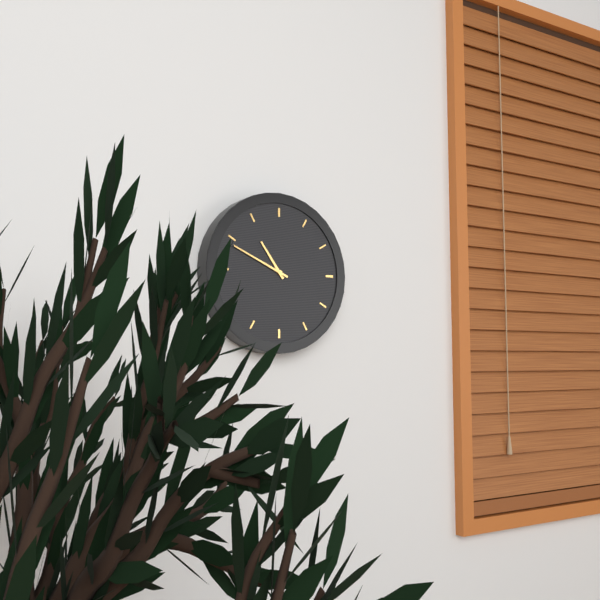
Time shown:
{"hour": 10, "minute": 49}
